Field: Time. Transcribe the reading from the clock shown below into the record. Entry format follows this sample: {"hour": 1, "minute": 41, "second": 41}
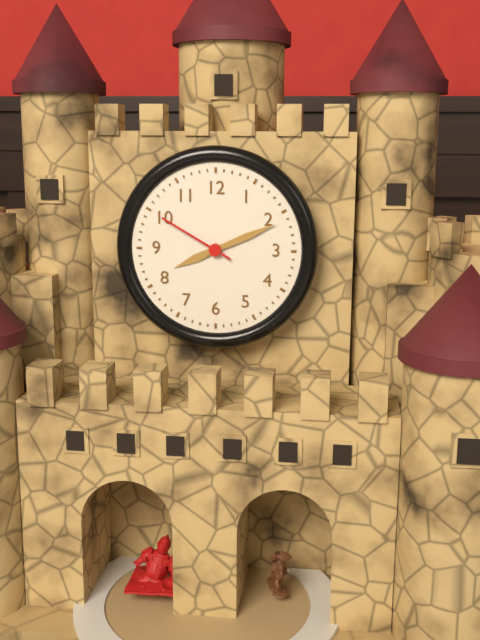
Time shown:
{"hour": 8, "minute": 11, "second": 50}
